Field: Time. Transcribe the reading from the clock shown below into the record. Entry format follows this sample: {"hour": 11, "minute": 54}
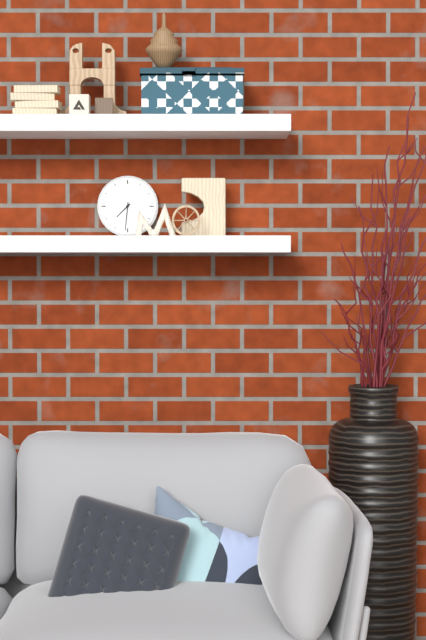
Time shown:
{"hour": 7, "minute": 31}
